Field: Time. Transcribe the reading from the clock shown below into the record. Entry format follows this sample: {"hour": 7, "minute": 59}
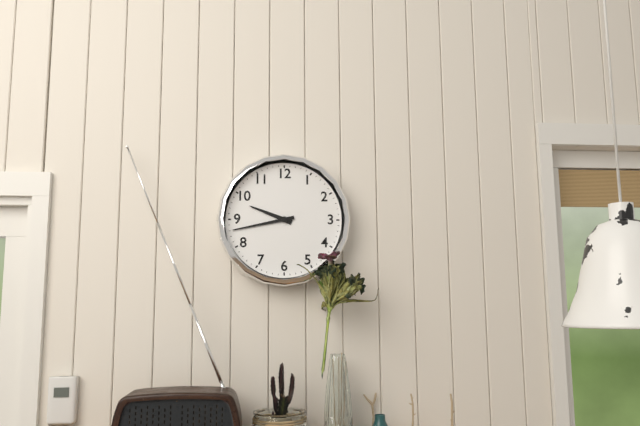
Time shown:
{"hour": 9, "minute": 43}
